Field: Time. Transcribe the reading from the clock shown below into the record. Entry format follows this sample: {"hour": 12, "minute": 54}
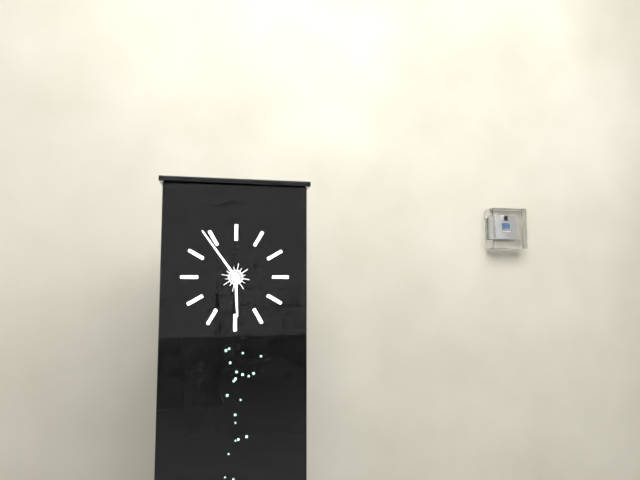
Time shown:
{"hour": 5, "minute": 54}
